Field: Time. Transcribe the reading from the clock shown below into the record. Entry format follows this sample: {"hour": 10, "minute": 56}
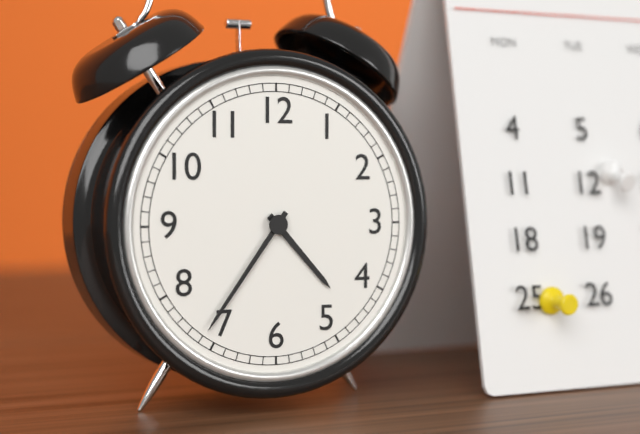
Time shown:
{"hour": 4, "minute": 36}
